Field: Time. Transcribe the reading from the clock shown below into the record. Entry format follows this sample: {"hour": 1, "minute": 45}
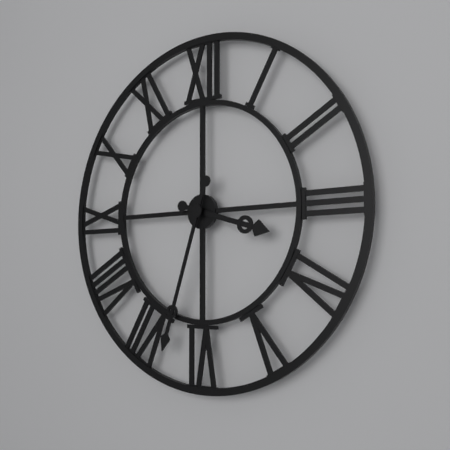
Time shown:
{"hour": 3, "minute": 33}
